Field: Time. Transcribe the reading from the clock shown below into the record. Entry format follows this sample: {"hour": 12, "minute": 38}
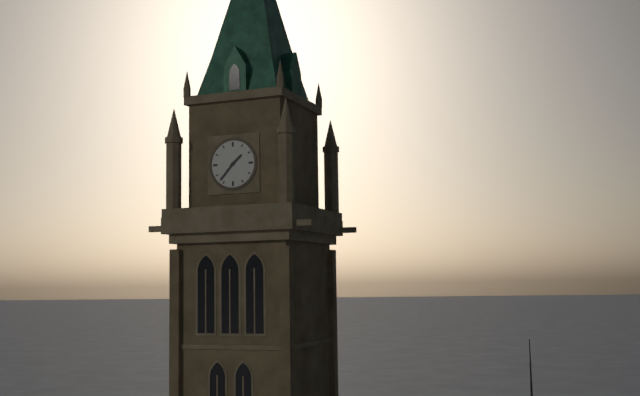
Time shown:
{"hour": 1, "minute": 37}
